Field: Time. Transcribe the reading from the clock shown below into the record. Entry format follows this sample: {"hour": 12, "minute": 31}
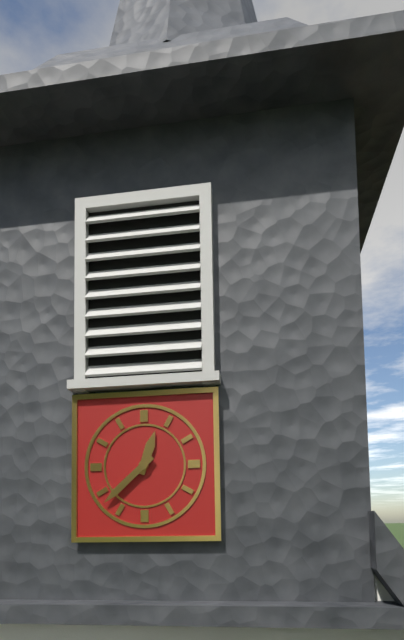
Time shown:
{"hour": 12, "minute": 38}
